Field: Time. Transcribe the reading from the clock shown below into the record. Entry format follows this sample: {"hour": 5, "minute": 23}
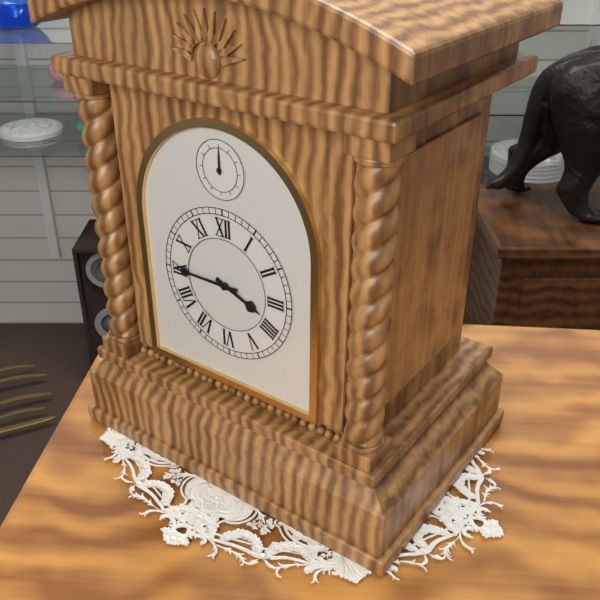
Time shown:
{"hour": 3, "minute": 45}
